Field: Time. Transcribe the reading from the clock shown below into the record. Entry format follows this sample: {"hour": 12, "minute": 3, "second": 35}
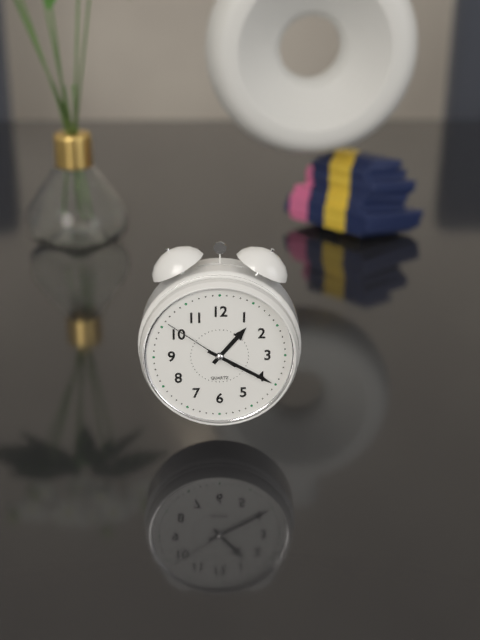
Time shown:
{"hour": 1, "minute": 20, "second": 51}
